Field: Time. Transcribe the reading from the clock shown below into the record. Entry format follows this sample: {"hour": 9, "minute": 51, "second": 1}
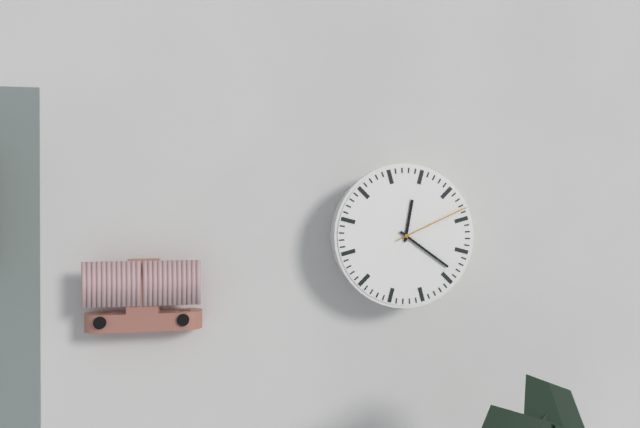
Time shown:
{"hour": 12, "minute": 21, "second": 11}
